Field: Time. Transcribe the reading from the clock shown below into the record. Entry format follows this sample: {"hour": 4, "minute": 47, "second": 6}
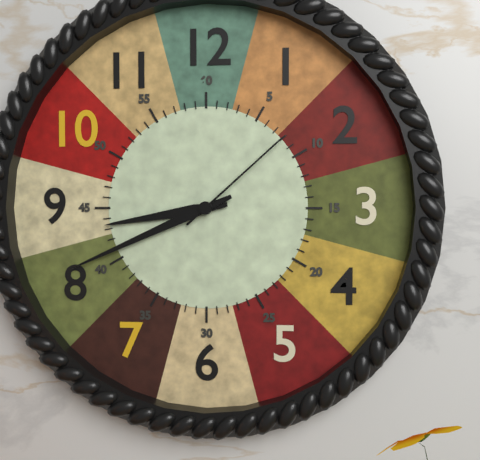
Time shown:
{"hour": 8, "minute": 41, "second": 8}
